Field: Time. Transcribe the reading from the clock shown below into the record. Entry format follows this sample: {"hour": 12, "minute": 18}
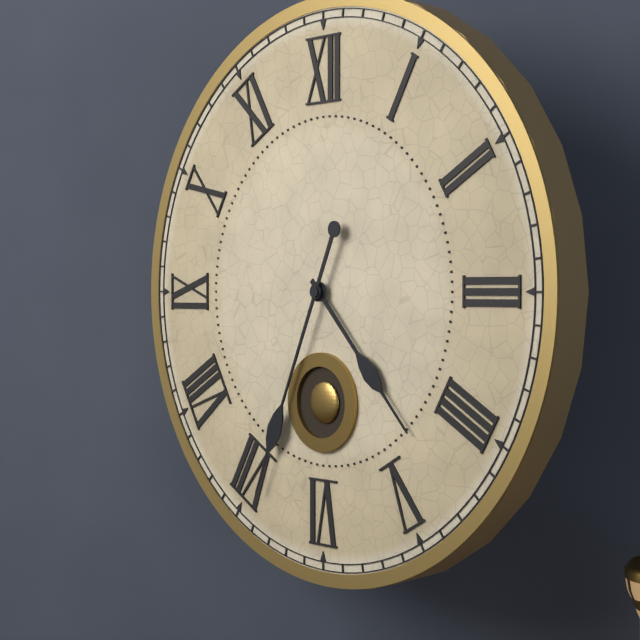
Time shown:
{"hour": 4, "minute": 34}
